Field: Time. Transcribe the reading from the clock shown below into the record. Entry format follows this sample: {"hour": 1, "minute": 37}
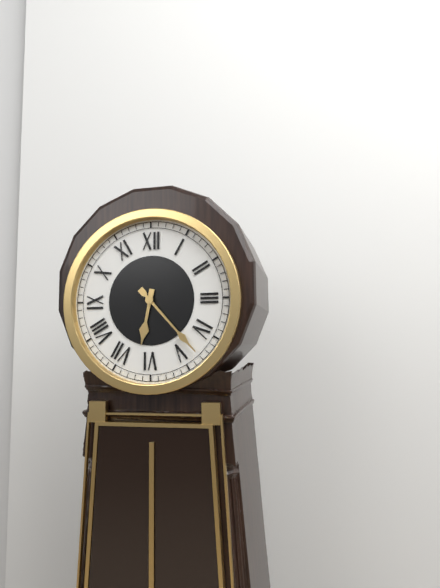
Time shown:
{"hour": 6, "minute": 23}
